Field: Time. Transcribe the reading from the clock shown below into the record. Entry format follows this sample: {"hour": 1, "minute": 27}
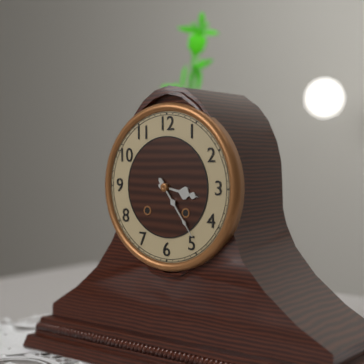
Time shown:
{"hour": 3, "minute": 24}
